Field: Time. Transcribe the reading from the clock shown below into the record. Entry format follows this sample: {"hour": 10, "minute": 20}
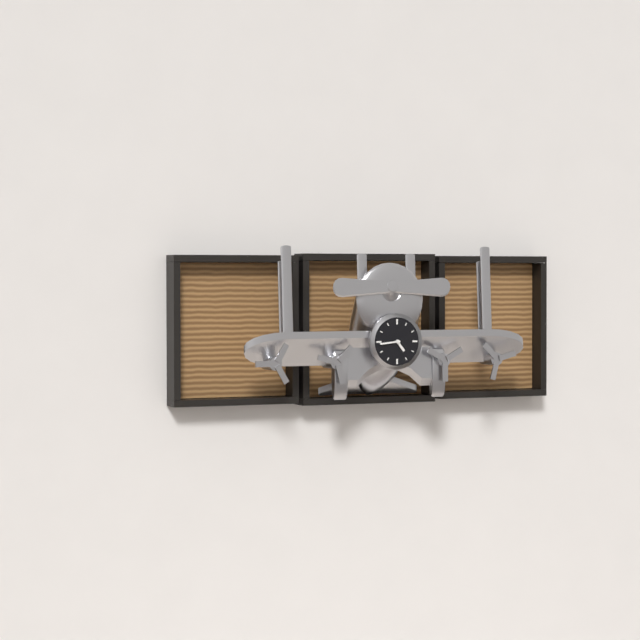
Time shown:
{"hour": 4, "minute": 44}
